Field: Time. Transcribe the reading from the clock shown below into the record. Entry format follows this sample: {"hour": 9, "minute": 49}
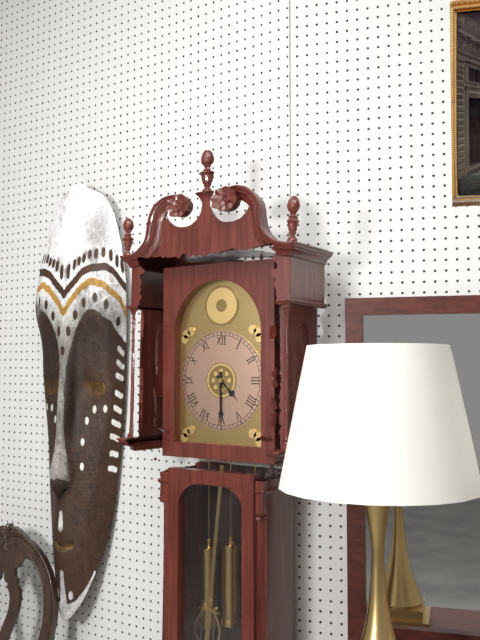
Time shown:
{"hour": 4, "minute": 30}
